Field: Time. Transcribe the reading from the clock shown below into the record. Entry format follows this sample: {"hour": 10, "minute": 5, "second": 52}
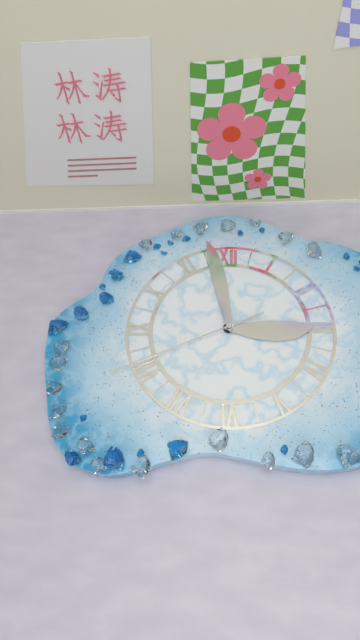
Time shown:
{"hour": 2, "minute": 58, "second": 41}
